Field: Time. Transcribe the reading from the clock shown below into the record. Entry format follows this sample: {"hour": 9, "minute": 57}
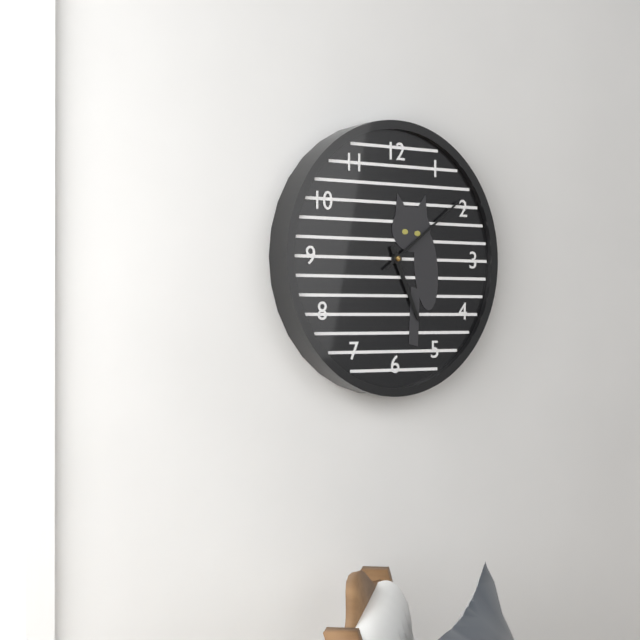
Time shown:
{"hour": 5, "minute": 9}
